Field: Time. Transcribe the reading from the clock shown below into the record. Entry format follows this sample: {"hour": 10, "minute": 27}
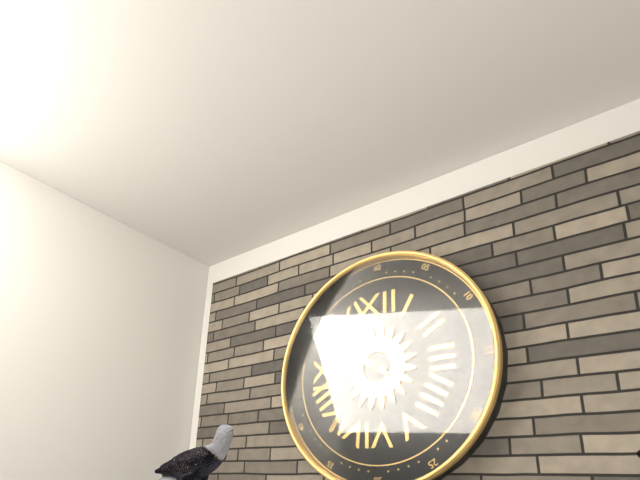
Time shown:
{"hour": 9, "minute": 51}
